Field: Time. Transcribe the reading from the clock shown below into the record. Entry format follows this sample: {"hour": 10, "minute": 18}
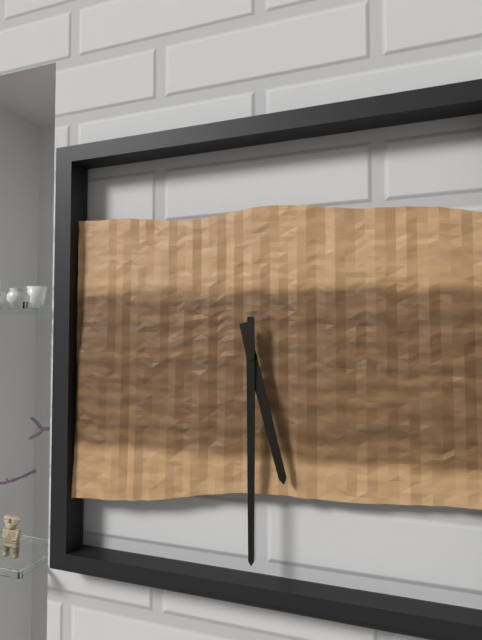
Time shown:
{"hour": 5, "minute": 30}
